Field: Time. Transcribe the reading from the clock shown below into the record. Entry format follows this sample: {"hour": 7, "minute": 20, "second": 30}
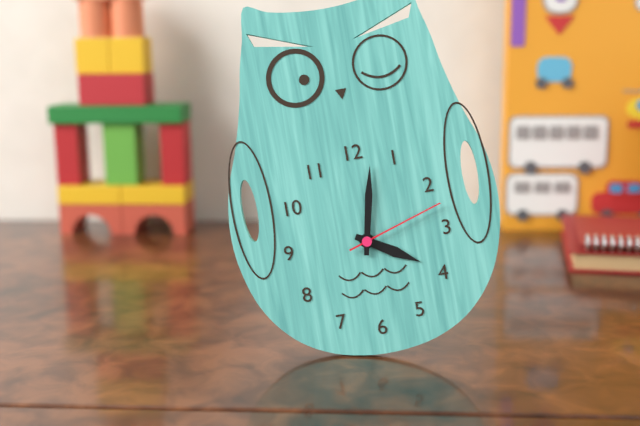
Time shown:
{"hour": 4, "minute": 2, "second": 12}
